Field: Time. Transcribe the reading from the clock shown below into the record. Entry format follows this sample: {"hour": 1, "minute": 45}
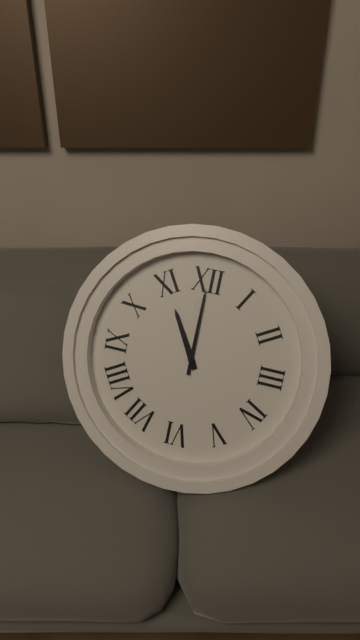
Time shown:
{"hour": 11, "minute": 0}
